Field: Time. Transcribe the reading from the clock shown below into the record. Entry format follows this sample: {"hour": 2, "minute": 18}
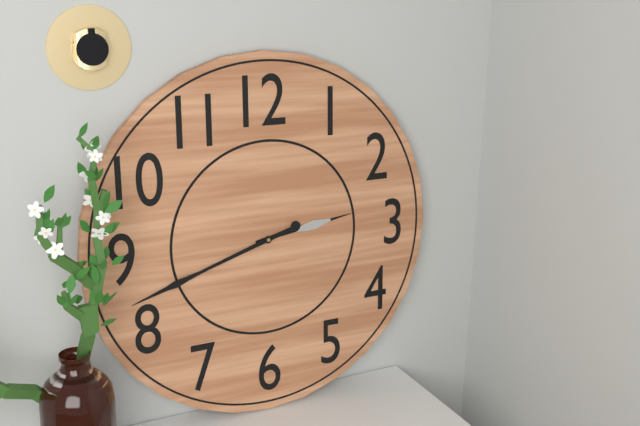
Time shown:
{"hour": 2, "minute": 42}
